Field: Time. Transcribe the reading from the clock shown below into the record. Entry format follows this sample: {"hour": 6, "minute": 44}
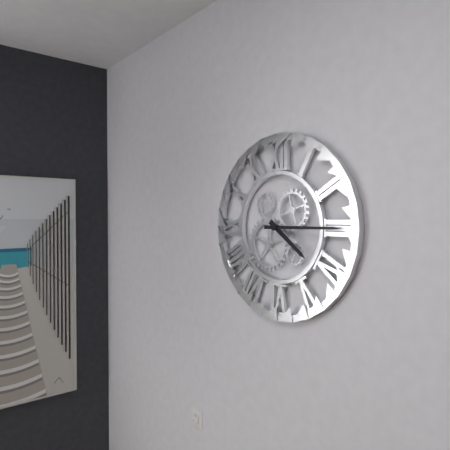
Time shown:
{"hour": 4, "minute": 15}
